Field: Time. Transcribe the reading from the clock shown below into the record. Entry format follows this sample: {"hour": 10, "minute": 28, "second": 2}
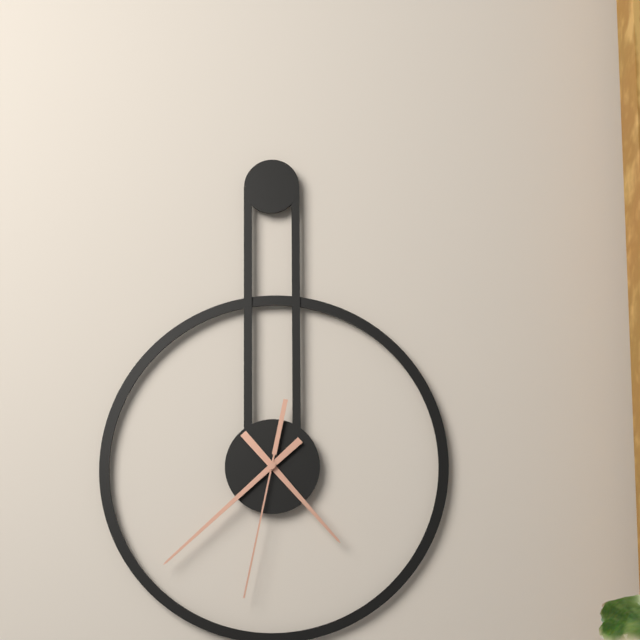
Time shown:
{"hour": 4, "minute": 38, "second": 32}
